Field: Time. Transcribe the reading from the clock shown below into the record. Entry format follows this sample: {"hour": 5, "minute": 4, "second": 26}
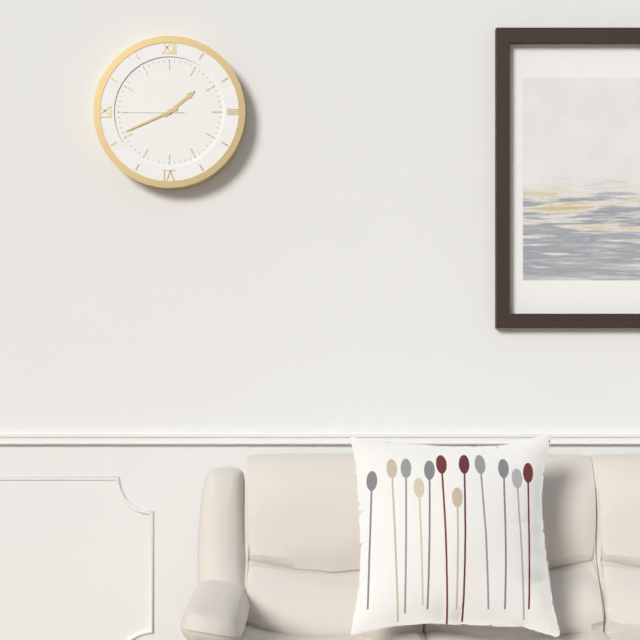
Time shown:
{"hour": 1, "minute": 41, "second": 45}
